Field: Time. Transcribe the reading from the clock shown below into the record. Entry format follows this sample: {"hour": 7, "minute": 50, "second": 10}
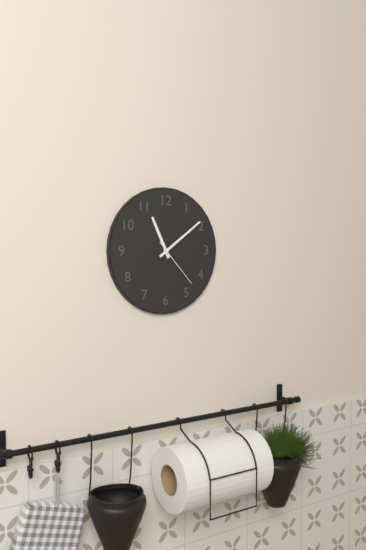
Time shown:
{"hour": 11, "minute": 9, "second": 23}
